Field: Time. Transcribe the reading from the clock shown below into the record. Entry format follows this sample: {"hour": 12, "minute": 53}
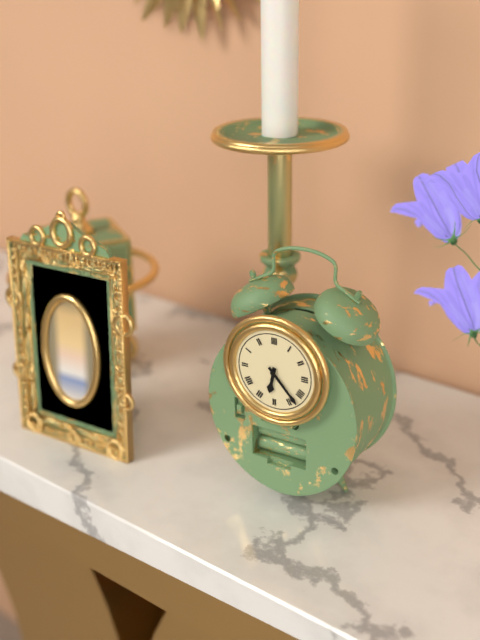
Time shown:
{"hour": 6, "minute": 23}
